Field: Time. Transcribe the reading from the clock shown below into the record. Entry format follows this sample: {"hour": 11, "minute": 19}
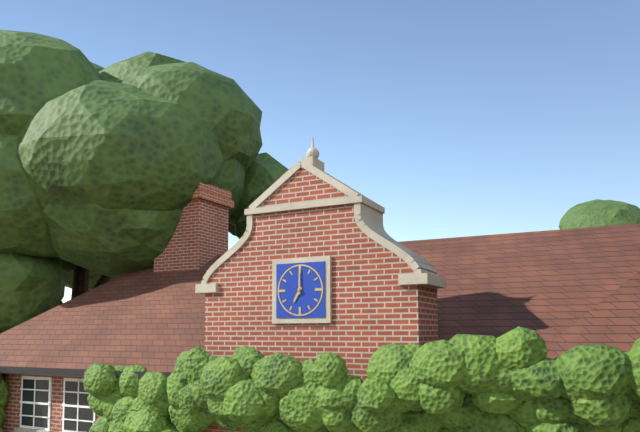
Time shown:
{"hour": 7, "minute": 0}
